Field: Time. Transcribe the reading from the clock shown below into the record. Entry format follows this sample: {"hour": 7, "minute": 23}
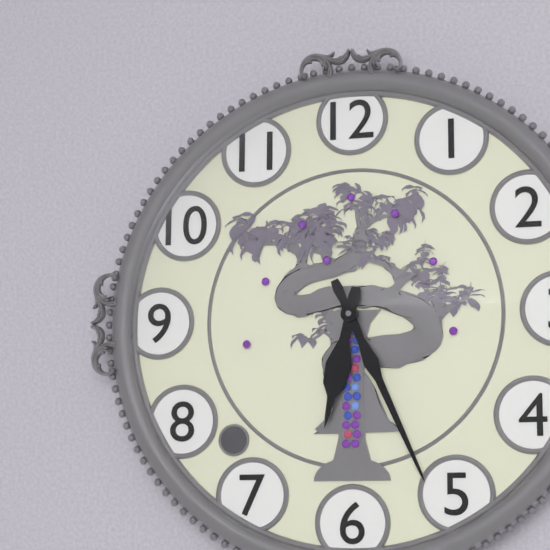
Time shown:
{"hour": 6, "minute": 26}
